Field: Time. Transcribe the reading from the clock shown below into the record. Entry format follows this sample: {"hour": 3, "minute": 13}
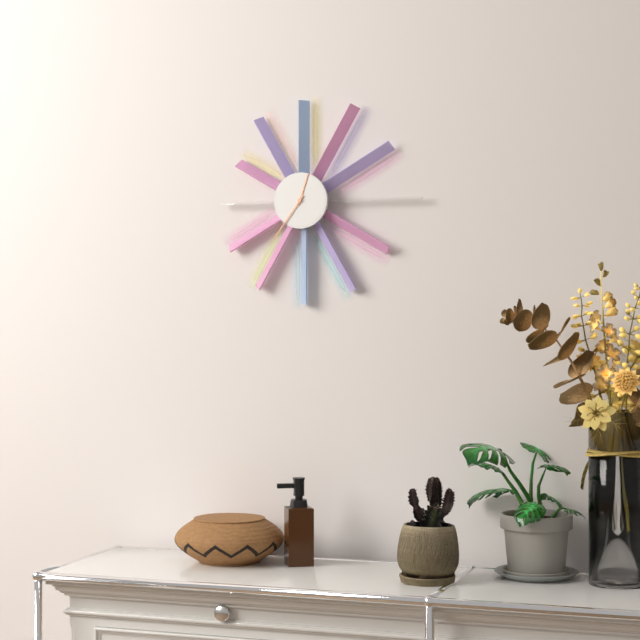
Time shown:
{"hour": 12, "minute": 36}
